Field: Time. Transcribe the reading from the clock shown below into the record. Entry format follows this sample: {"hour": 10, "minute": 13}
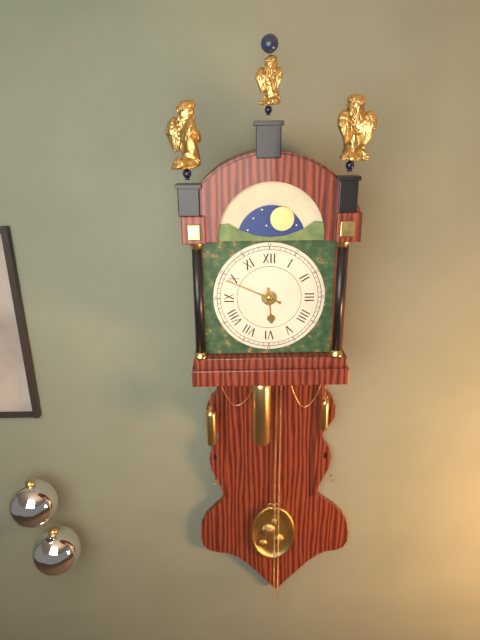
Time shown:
{"hour": 5, "minute": 49}
